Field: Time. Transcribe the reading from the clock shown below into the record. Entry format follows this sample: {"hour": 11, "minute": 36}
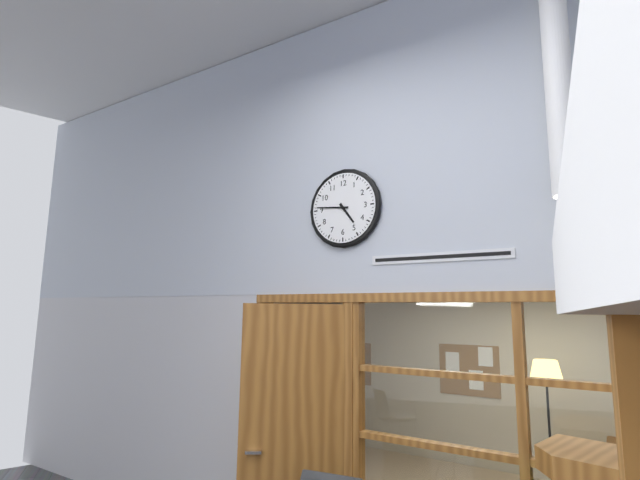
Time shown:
{"hour": 4, "minute": 46}
